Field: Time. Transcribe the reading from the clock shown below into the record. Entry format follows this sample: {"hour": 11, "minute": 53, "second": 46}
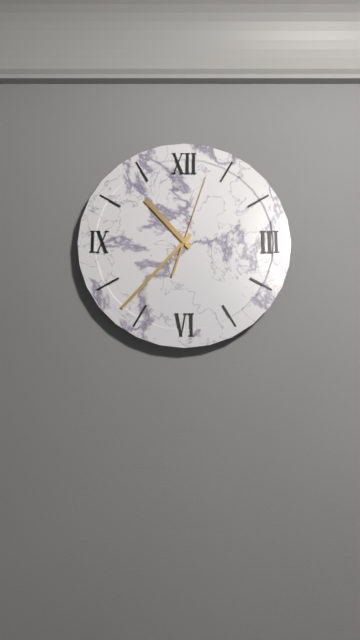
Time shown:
{"hour": 10, "minute": 37, "second": 3}
